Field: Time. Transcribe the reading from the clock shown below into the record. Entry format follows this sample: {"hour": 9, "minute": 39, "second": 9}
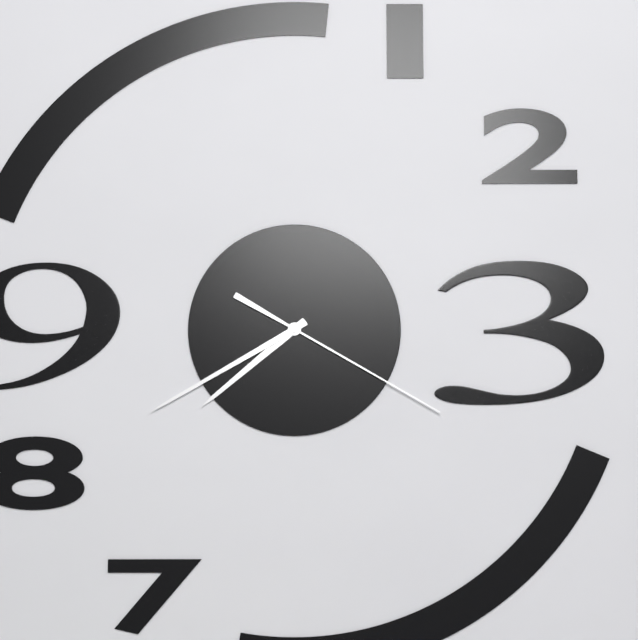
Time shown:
{"hour": 7, "minute": 40, "second": 20}
